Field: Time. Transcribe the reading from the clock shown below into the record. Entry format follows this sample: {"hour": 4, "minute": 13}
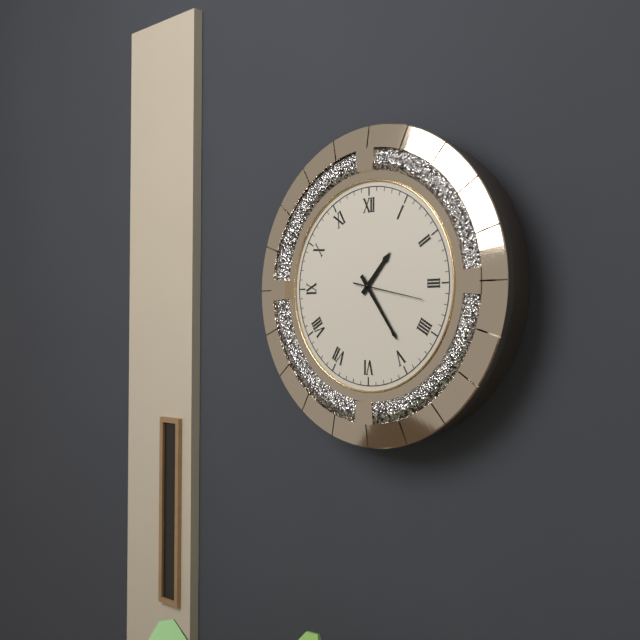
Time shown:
{"hour": 1, "minute": 24}
